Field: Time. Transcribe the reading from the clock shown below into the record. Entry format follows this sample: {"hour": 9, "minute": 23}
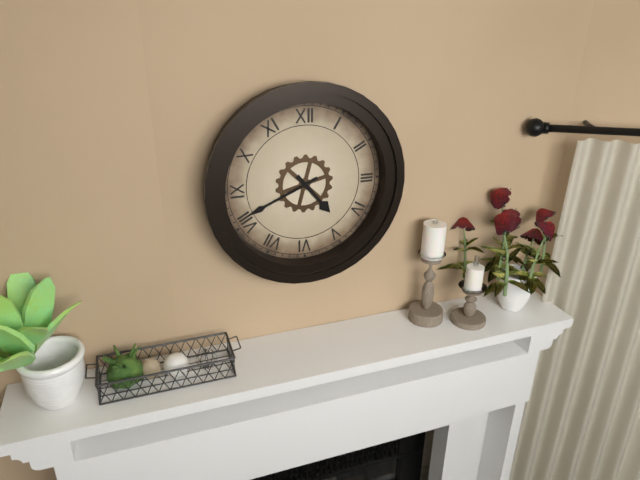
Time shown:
{"hour": 4, "minute": 41}
